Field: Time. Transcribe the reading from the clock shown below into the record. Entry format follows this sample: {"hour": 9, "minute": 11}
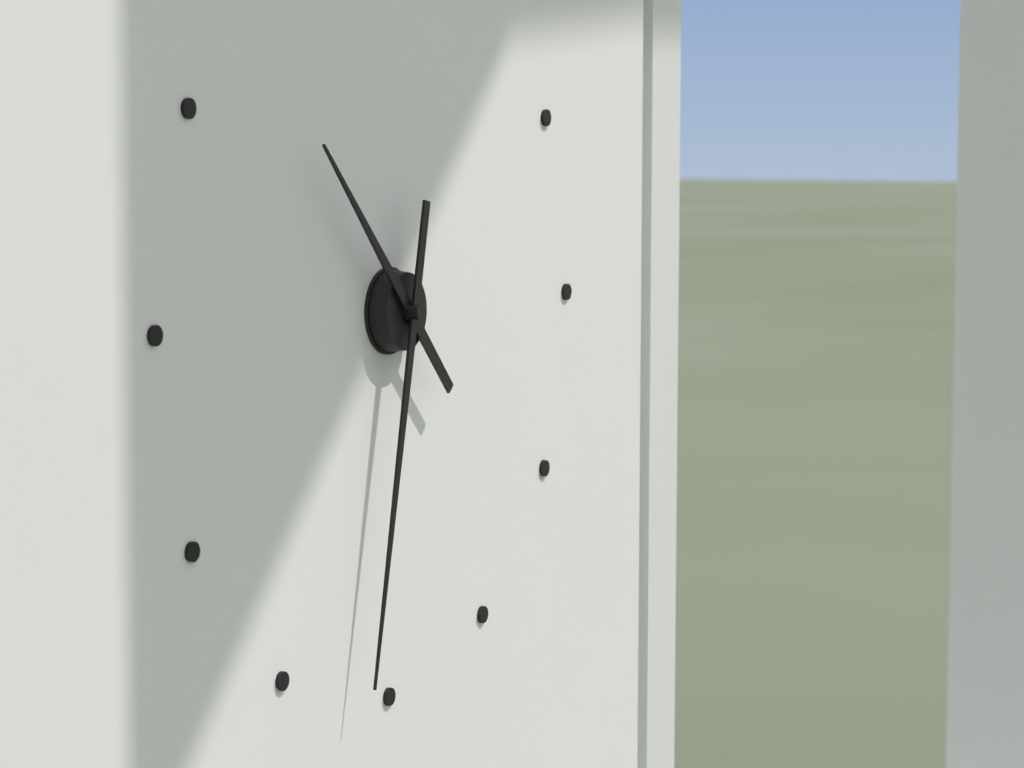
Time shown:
{"hour": 10, "minute": 32}
